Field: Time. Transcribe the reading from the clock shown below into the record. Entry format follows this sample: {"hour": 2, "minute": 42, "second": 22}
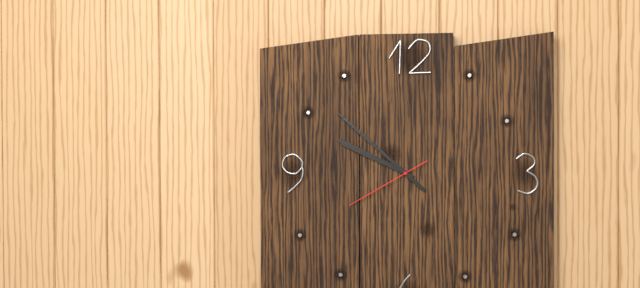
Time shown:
{"hour": 9, "minute": 52, "second": 40}
